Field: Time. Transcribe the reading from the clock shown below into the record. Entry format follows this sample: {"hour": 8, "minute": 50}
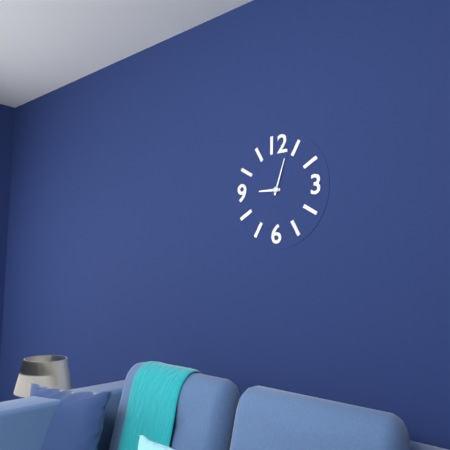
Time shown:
{"hour": 9, "minute": 3}
